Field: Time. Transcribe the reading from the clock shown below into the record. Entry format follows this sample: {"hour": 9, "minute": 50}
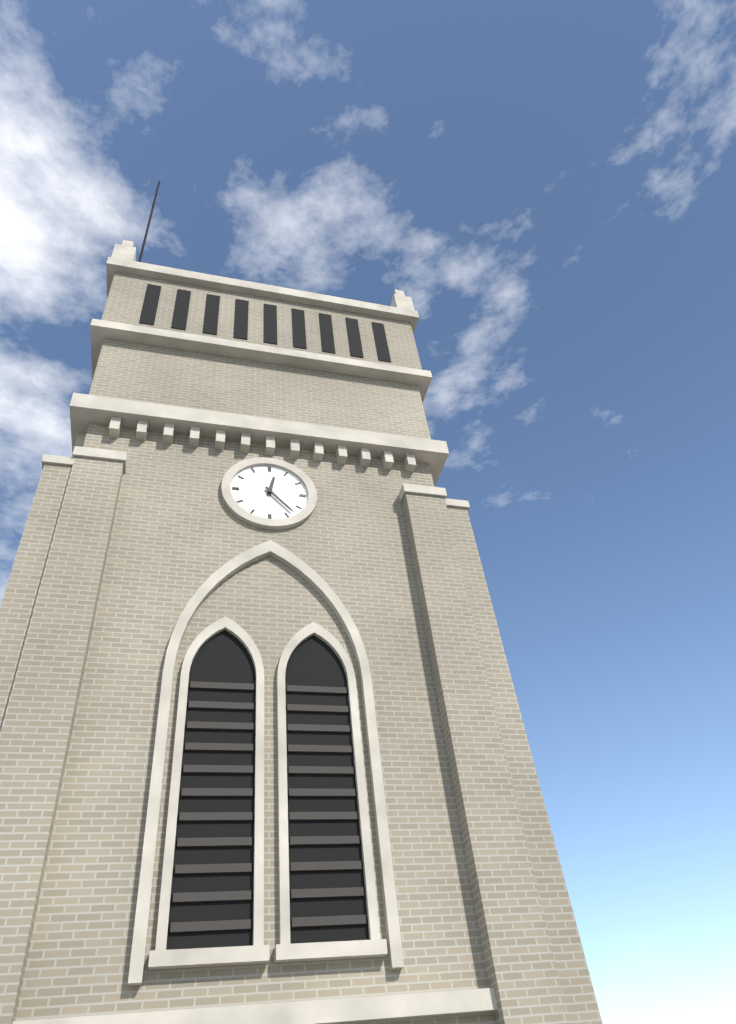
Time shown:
{"hour": 12, "minute": 23}
